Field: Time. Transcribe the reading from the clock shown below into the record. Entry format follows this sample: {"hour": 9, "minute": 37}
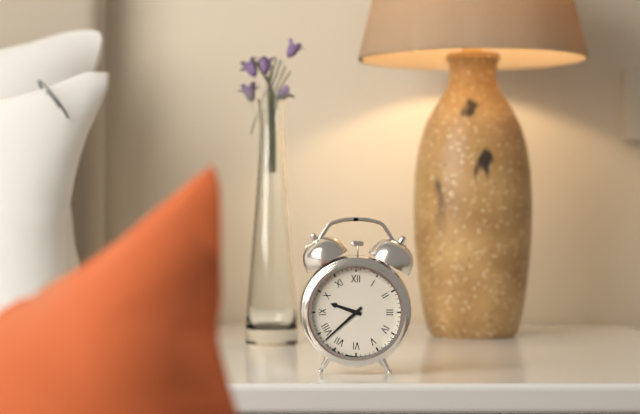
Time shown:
{"hour": 9, "minute": 38}
